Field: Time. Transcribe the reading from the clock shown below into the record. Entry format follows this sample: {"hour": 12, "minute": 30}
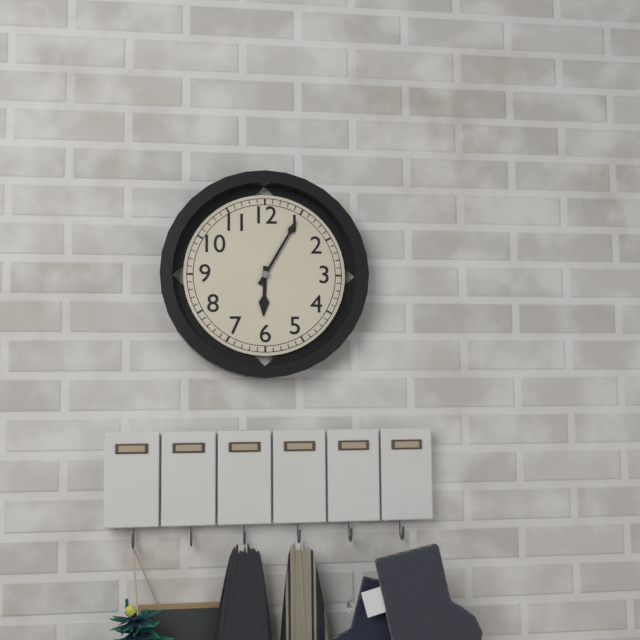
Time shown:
{"hour": 6, "minute": 5}
